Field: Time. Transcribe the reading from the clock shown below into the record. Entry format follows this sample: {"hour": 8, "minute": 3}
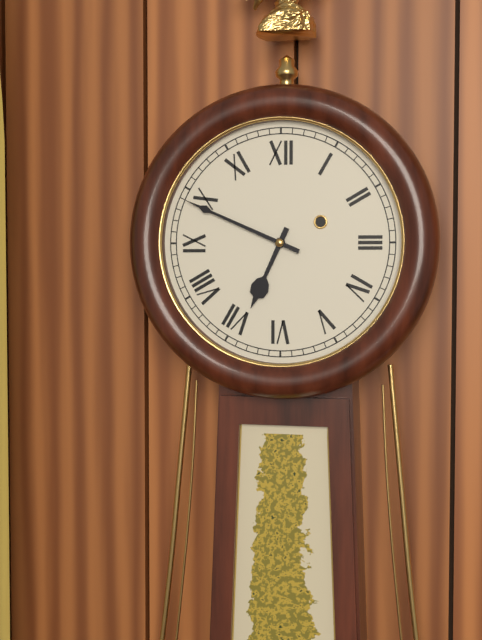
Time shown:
{"hour": 6, "minute": 49}
